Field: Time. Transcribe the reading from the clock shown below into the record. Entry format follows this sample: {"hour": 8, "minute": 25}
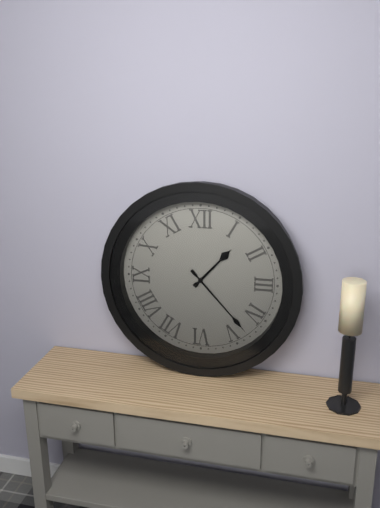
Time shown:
{"hour": 1, "minute": 23}
